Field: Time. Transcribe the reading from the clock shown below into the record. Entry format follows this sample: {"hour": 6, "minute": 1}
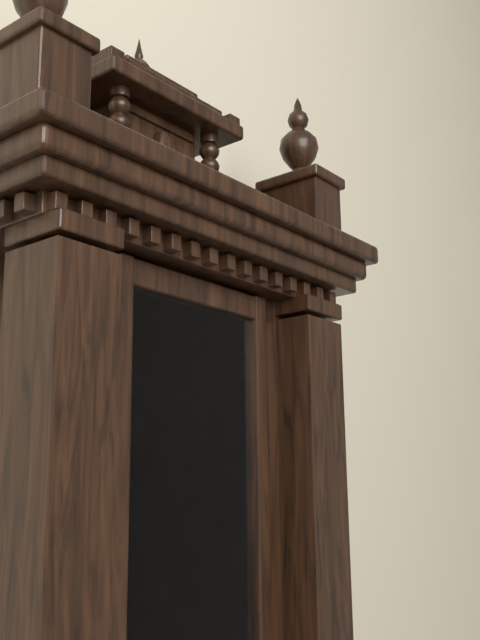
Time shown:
{"hour": 1, "minute": 45}
